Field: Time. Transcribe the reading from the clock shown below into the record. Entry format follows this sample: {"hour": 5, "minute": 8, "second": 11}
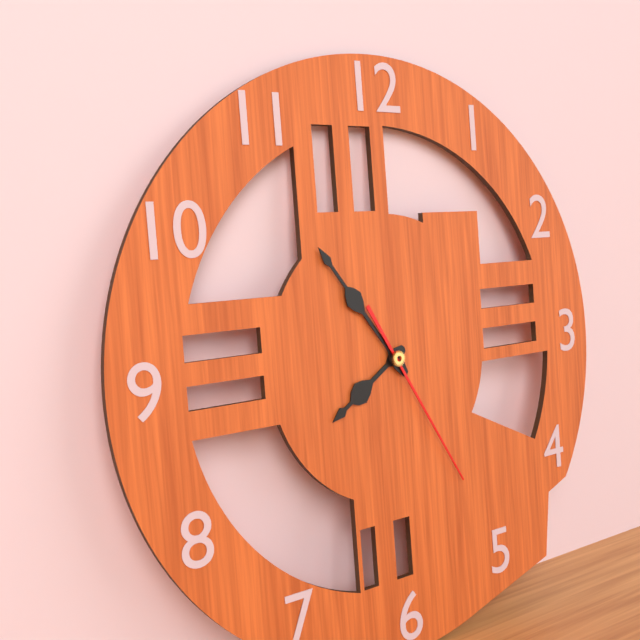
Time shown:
{"hour": 7, "minute": 54, "second": 25}
